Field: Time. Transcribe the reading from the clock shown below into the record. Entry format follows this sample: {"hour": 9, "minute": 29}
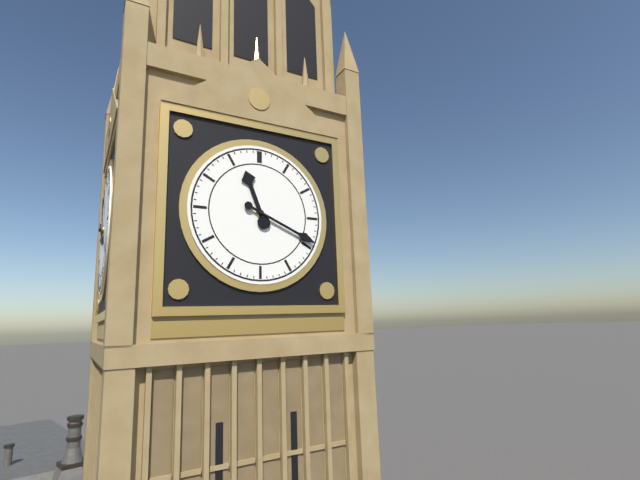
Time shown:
{"hour": 11, "minute": 19}
